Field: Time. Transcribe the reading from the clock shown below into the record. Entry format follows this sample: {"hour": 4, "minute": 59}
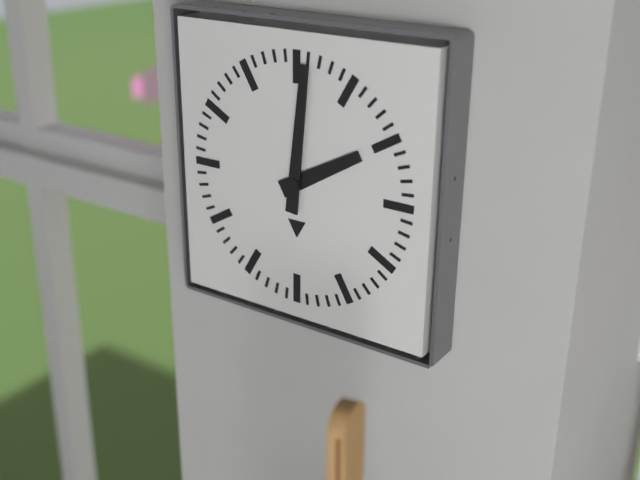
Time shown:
{"hour": 2, "minute": 1}
